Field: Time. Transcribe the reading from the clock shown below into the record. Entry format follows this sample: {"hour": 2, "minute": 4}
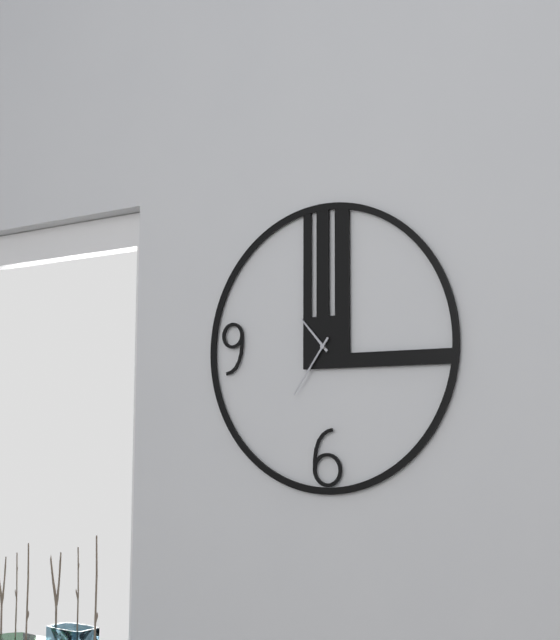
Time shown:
{"hour": 10, "minute": 36}
